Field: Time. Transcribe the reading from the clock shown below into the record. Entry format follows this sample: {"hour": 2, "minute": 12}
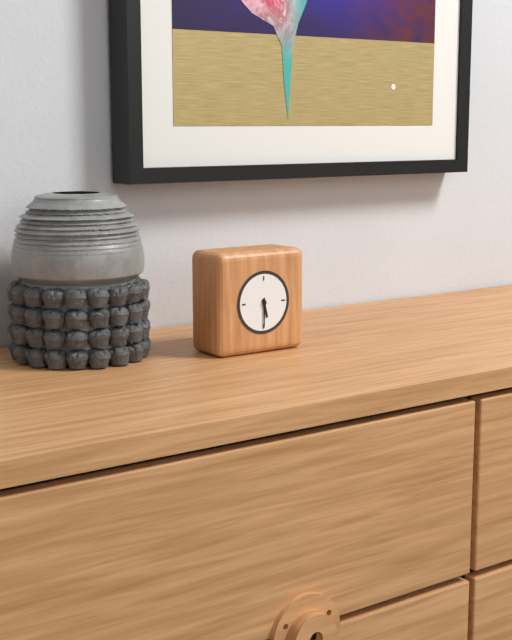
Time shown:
{"hour": 5, "minute": 30}
